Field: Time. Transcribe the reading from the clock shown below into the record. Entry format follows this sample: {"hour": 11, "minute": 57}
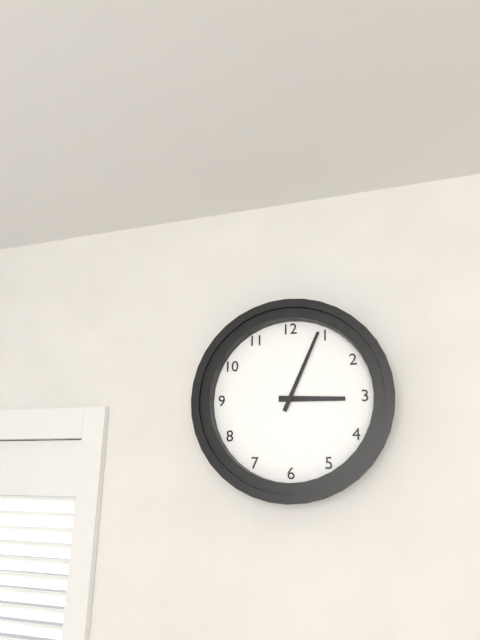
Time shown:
{"hour": 3, "minute": 4}
